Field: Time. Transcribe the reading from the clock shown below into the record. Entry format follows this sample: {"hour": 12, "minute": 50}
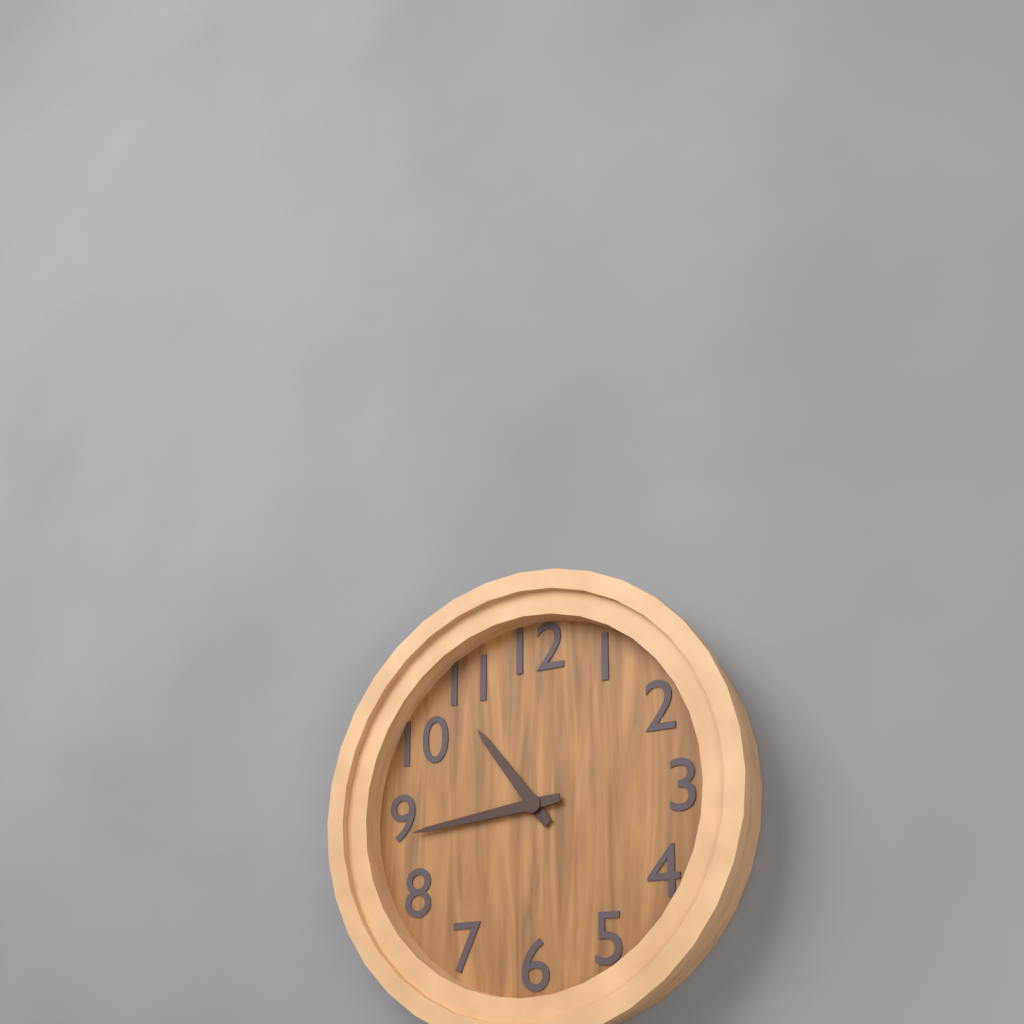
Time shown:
{"hour": 10, "minute": 44}
